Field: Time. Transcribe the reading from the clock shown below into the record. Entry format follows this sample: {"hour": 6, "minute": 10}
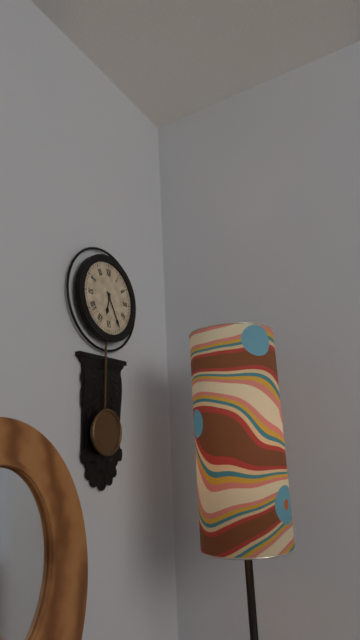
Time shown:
{"hour": 6, "minute": 25}
